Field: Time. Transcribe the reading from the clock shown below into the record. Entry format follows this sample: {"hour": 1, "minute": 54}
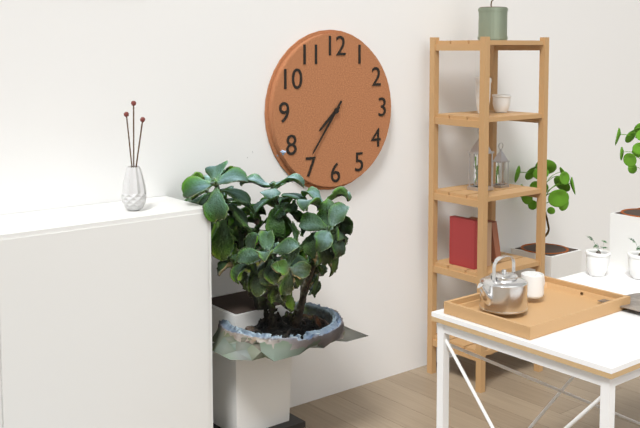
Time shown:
{"hour": 7, "minute": 36}
